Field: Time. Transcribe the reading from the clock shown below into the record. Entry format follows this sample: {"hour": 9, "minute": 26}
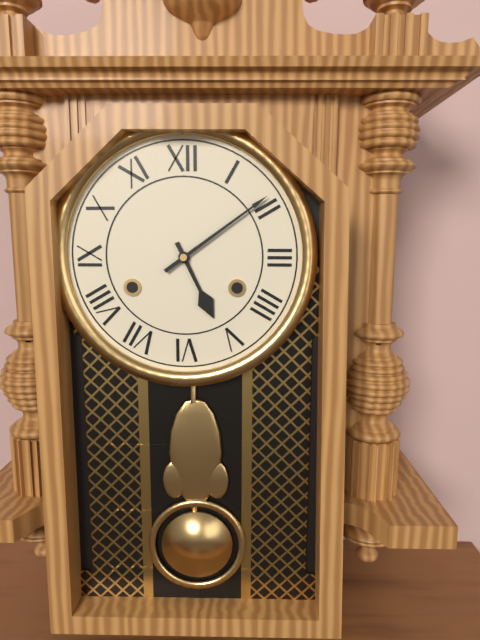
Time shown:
{"hour": 5, "minute": 9}
